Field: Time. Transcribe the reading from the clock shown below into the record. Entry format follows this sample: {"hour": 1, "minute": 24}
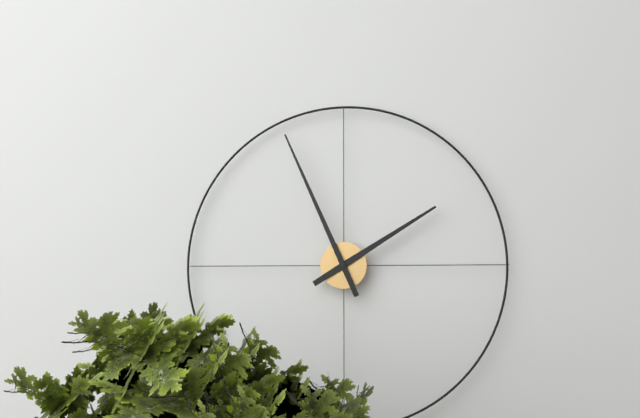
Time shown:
{"hour": 1, "minute": 56}
